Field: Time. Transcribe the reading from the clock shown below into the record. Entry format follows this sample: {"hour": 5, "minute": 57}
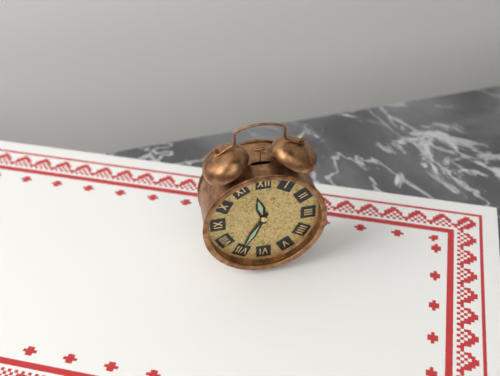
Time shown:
{"hour": 11, "minute": 35}
